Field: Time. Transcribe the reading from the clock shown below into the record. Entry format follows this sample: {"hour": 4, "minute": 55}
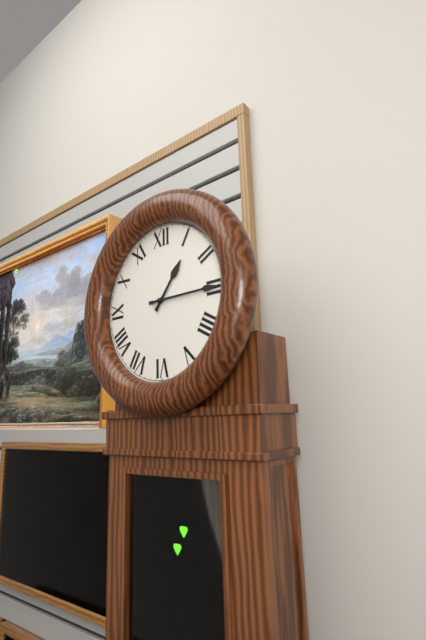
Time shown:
{"hour": 1, "minute": 15}
